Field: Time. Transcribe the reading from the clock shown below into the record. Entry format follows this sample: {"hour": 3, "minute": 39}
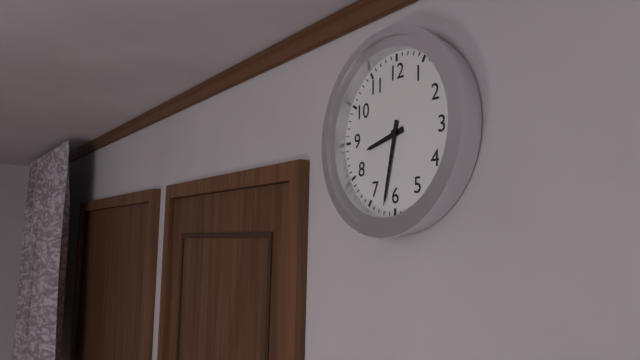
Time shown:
{"hour": 8, "minute": 32}
